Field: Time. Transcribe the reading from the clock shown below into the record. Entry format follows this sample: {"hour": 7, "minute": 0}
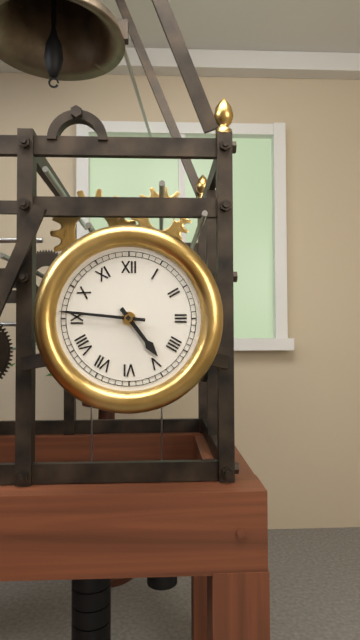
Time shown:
{"hour": 4, "minute": 46}
